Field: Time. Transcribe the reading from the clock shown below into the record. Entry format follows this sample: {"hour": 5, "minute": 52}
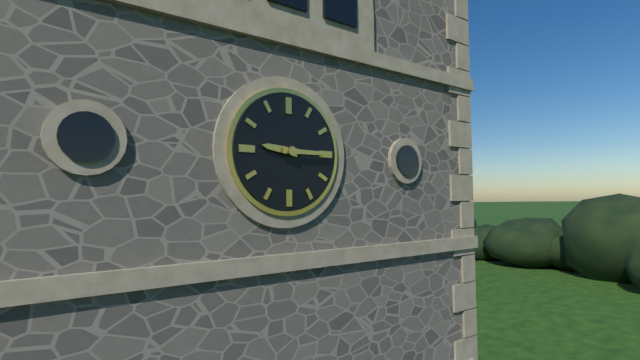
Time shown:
{"hour": 9, "minute": 15}
